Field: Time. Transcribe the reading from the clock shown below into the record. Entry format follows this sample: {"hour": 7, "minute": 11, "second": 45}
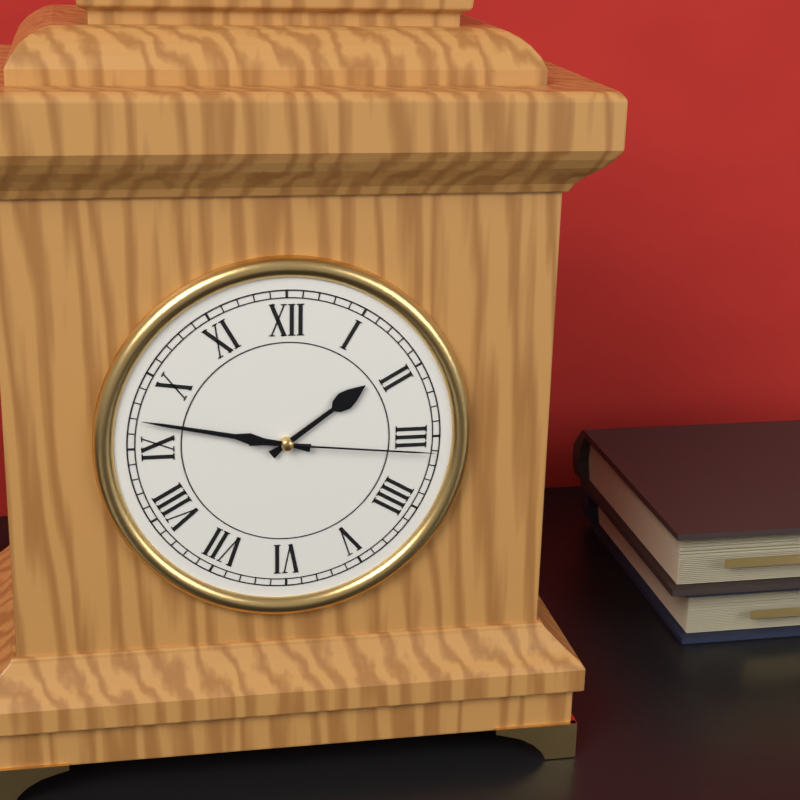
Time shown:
{"hour": 1, "minute": 47, "second": 16}
